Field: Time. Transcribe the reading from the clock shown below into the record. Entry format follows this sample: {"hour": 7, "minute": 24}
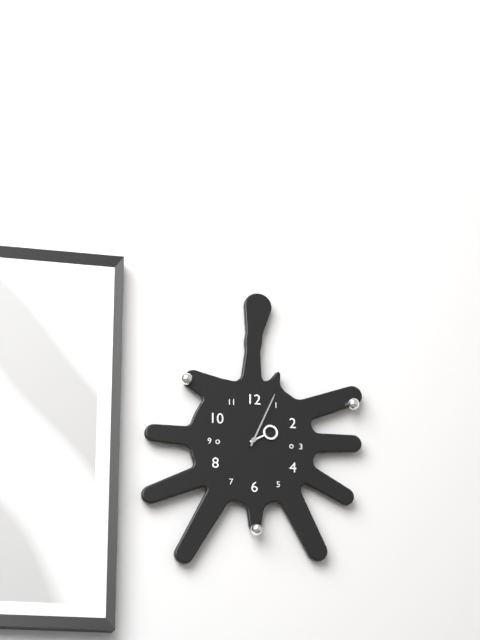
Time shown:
{"hour": 2, "minute": 4}
